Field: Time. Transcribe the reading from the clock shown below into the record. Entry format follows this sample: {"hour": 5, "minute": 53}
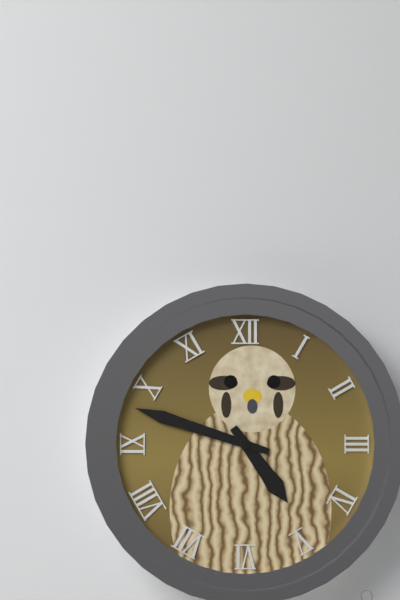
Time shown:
{"hour": 4, "minute": 48}
